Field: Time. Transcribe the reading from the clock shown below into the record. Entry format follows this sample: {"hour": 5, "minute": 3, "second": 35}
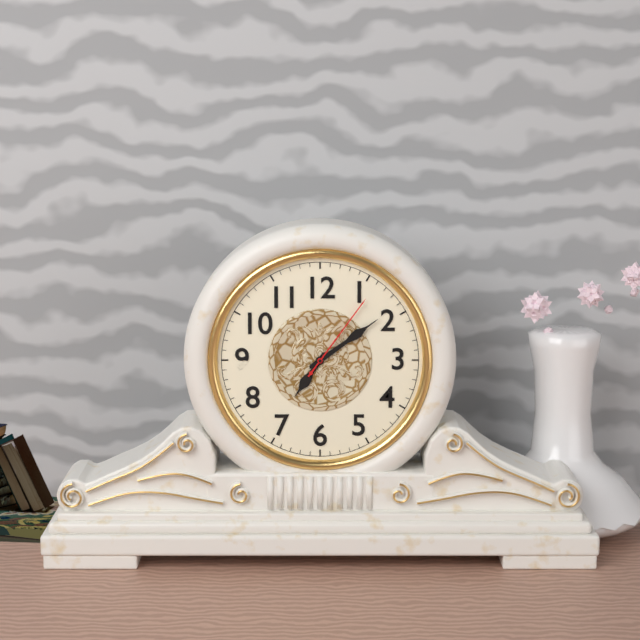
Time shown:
{"hour": 7, "minute": 9, "second": 6}
